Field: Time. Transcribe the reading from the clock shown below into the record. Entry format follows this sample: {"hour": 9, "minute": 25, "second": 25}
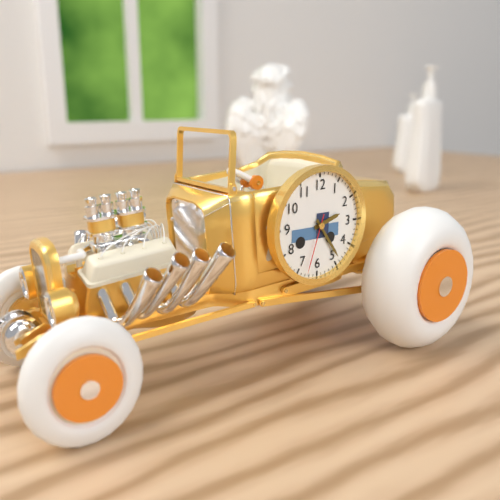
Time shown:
{"hour": 2, "minute": 24, "second": 33}
